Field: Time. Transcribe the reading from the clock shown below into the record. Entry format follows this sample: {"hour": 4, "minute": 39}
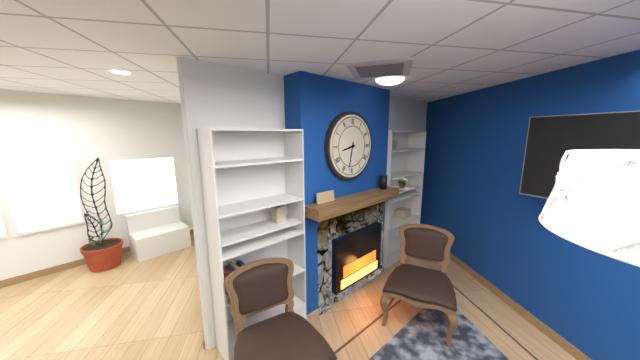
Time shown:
{"hour": 8, "minute": 32}
